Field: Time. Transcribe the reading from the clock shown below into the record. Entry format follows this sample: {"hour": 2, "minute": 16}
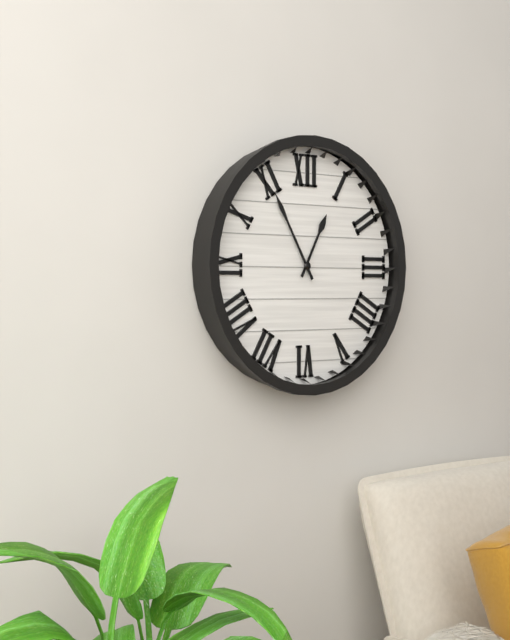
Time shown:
{"hour": 12, "minute": 55}
